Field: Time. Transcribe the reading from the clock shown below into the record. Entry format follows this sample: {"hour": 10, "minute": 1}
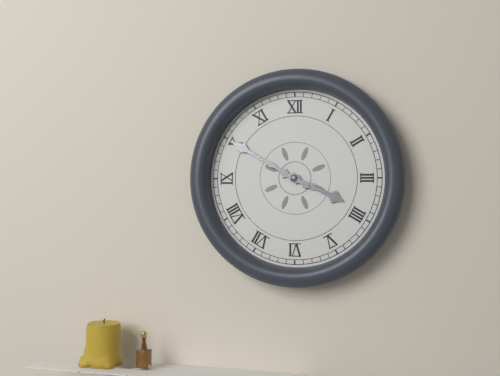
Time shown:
{"hour": 3, "minute": 50}
